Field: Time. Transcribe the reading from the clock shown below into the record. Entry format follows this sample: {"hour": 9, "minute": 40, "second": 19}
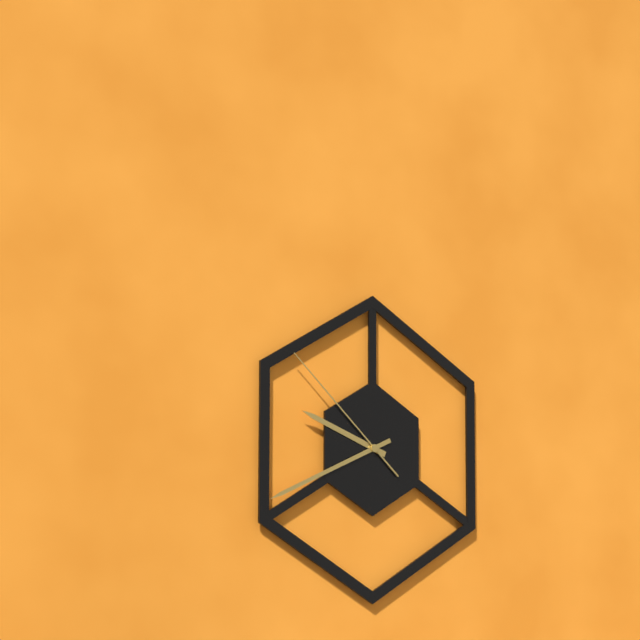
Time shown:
{"hour": 9, "minute": 41, "second": 52}
